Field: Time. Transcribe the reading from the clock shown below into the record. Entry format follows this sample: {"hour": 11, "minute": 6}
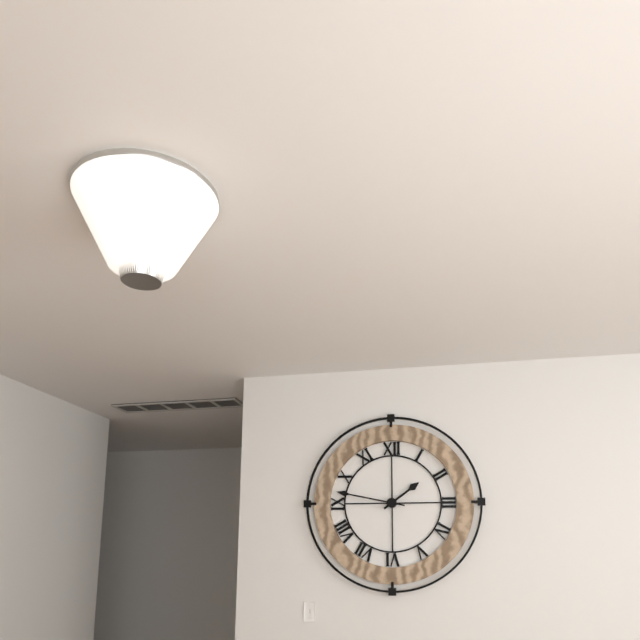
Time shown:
{"hour": 1, "minute": 47}
